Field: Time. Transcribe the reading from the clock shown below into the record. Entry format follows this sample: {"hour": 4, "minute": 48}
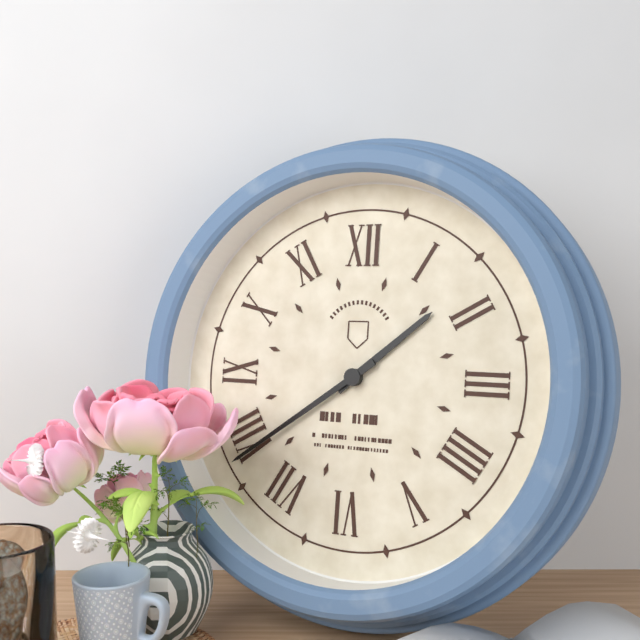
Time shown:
{"hour": 1, "minute": 39}
